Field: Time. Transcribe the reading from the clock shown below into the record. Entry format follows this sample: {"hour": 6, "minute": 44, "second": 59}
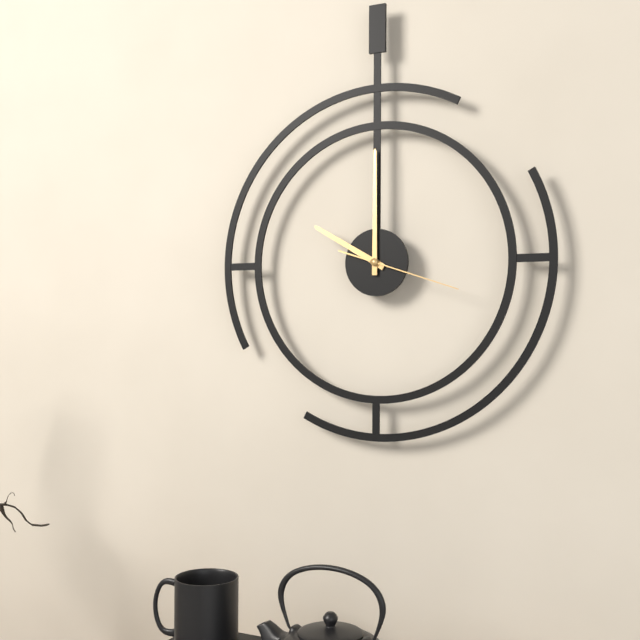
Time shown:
{"hour": 10, "minute": 0, "second": 18}
